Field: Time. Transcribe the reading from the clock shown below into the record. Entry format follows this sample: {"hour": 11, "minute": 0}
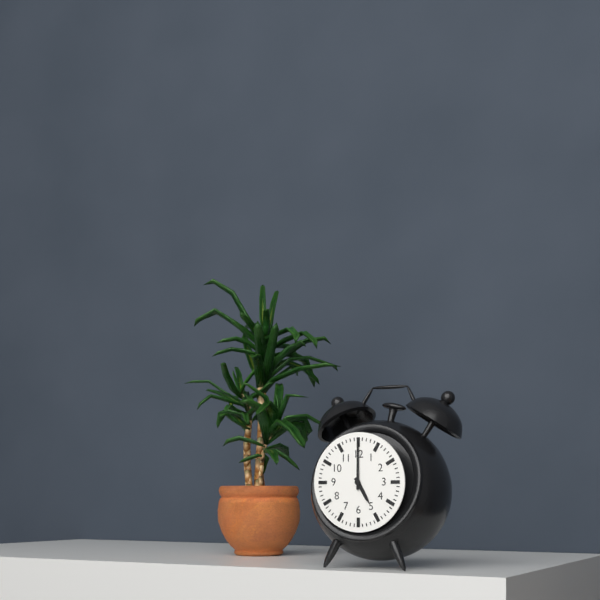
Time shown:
{"hour": 5, "minute": 0}
